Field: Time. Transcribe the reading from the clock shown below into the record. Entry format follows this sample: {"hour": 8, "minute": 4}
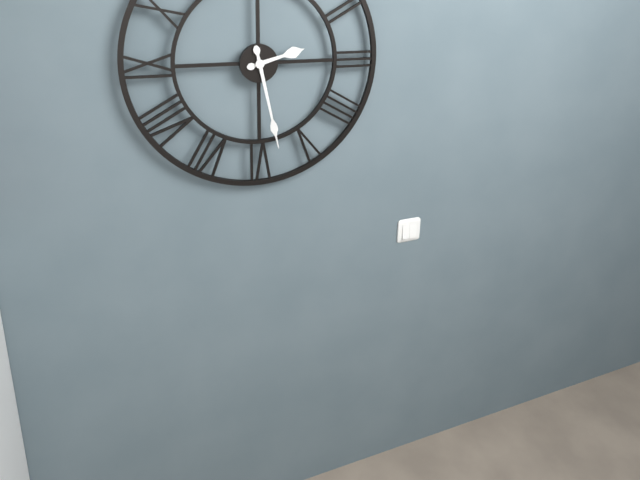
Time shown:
{"hour": 2, "minute": 28}
